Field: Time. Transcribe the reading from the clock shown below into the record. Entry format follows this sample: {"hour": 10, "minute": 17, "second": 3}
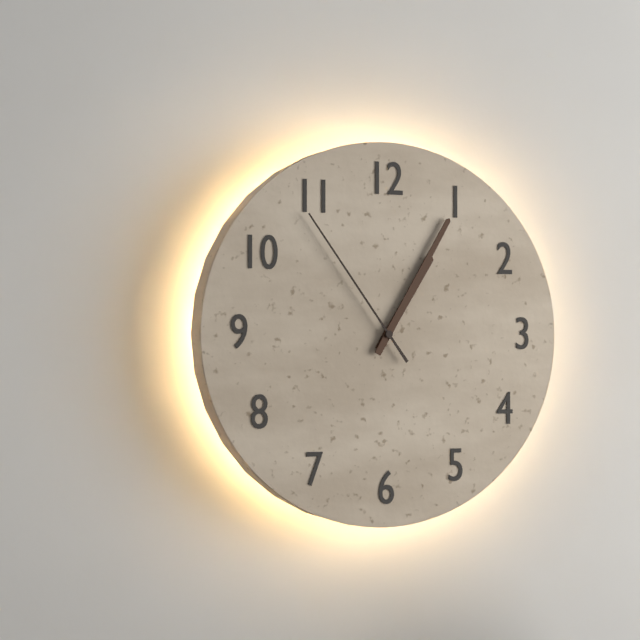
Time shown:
{"hour": 1, "minute": 5, "second": 54}
